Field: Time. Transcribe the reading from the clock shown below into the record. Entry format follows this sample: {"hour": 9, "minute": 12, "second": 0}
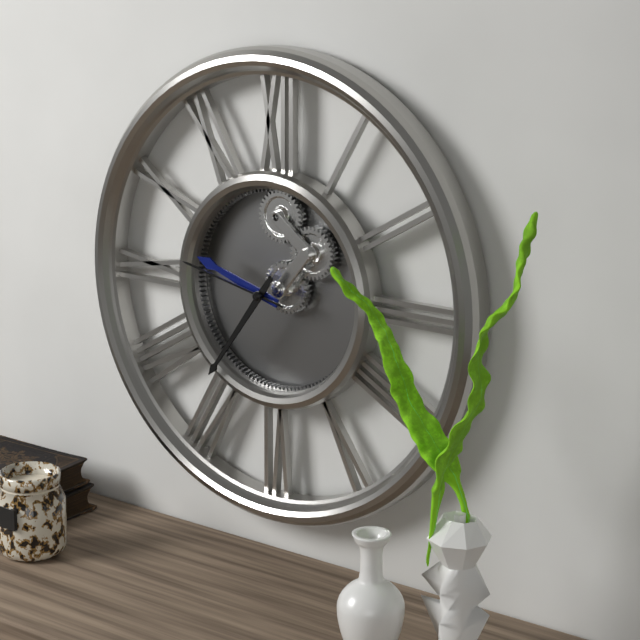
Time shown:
{"hour": 9, "minute": 36, "second": 47}
